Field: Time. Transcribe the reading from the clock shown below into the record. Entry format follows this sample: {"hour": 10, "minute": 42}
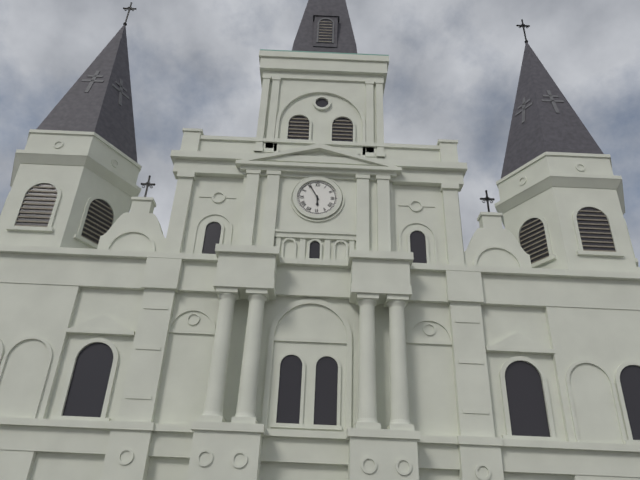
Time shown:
{"hour": 5, "minute": 55}
